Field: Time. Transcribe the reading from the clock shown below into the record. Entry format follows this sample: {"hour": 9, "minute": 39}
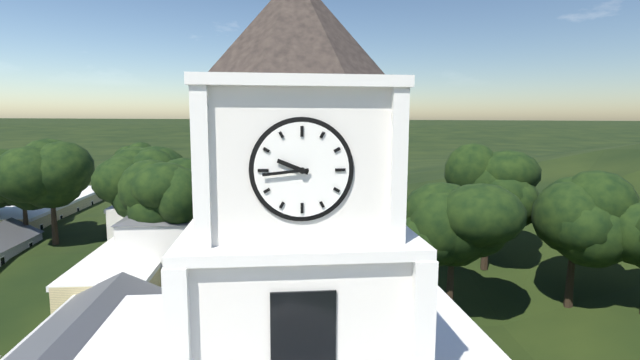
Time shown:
{"hour": 9, "minute": 44}
